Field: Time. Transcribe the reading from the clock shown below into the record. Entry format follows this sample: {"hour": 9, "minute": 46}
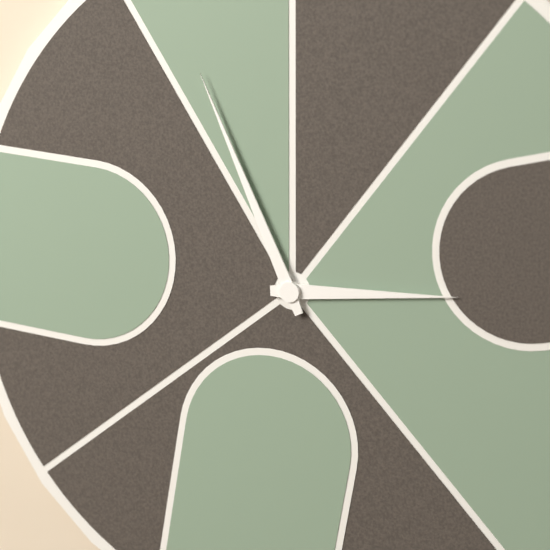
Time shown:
{"hour": 2, "minute": 56}
